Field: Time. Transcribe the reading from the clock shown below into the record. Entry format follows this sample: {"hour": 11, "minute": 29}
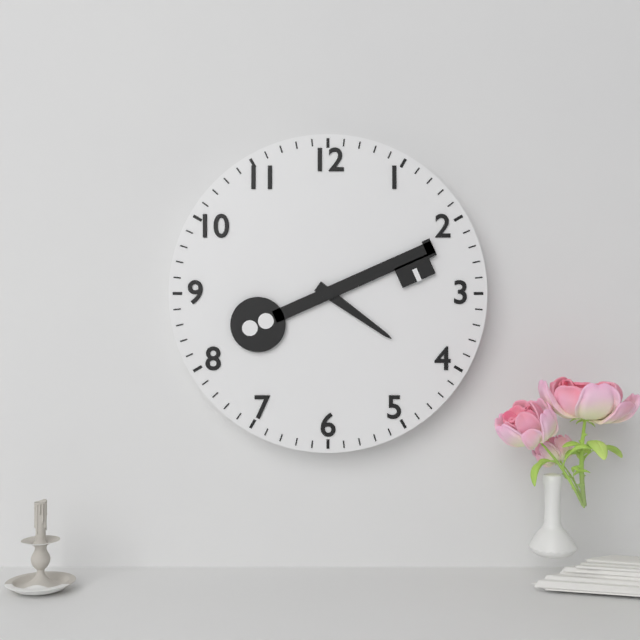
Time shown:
{"hour": 4, "minute": 11}
